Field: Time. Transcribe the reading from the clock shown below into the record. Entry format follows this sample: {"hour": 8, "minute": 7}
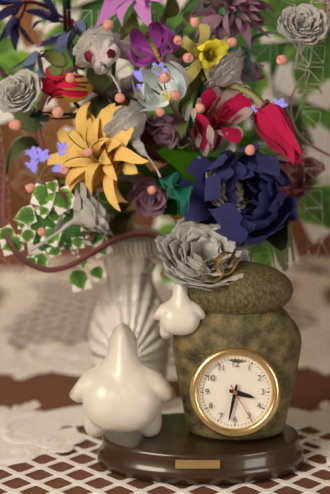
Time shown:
{"hour": 3, "minute": 32}
